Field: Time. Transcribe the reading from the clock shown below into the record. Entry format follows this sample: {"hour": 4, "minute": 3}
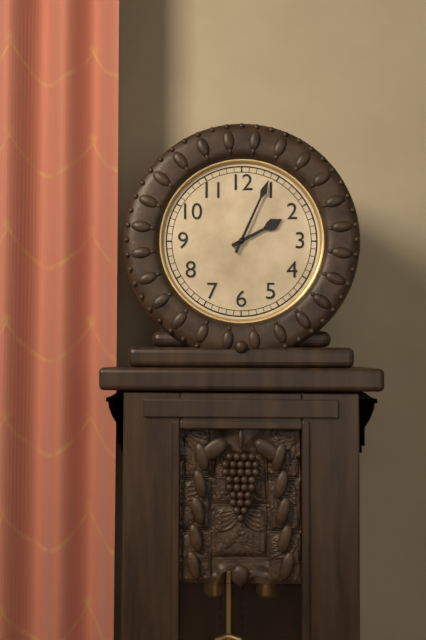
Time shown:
{"hour": 2, "minute": 4}
